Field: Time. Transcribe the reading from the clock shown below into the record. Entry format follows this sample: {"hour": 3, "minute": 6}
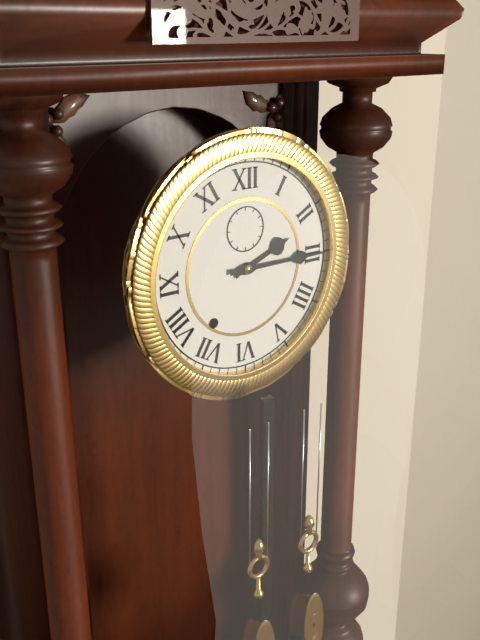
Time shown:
{"hour": 2, "minute": 15}
